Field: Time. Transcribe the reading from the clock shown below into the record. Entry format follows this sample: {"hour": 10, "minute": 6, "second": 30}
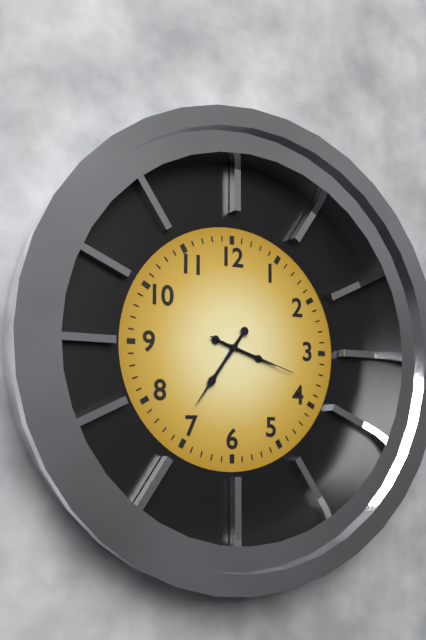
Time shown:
{"hour": 3, "minute": 36, "second": 18}
